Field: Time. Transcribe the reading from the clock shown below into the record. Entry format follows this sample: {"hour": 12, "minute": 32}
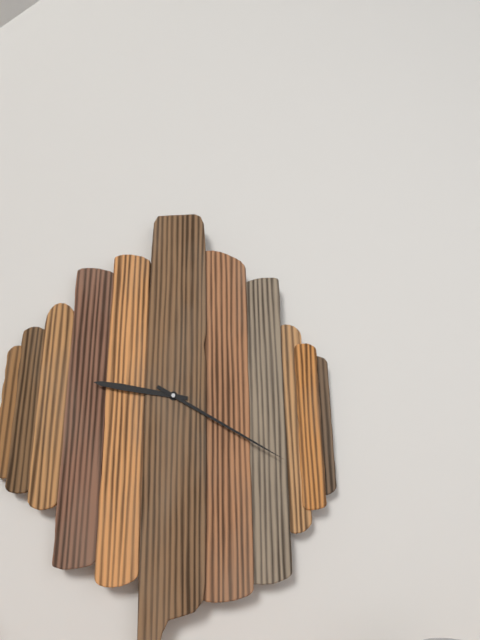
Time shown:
{"hour": 9, "minute": 20}
